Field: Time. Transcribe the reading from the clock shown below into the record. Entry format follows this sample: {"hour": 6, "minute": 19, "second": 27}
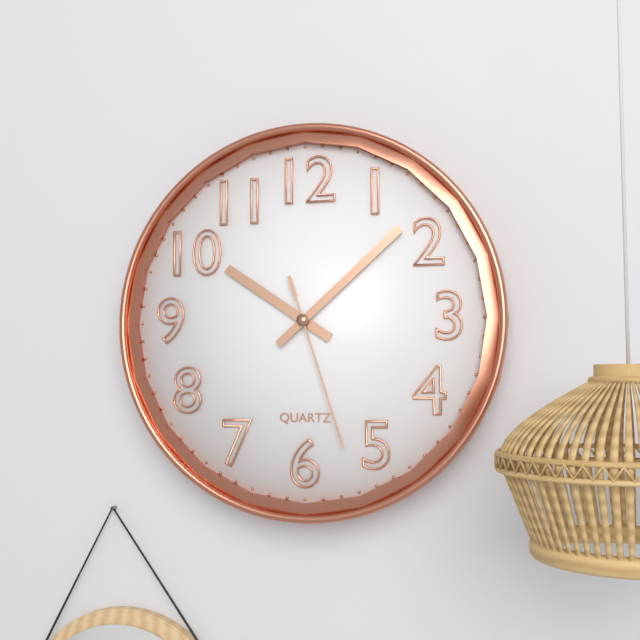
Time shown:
{"hour": 10, "minute": 8, "second": 27}
